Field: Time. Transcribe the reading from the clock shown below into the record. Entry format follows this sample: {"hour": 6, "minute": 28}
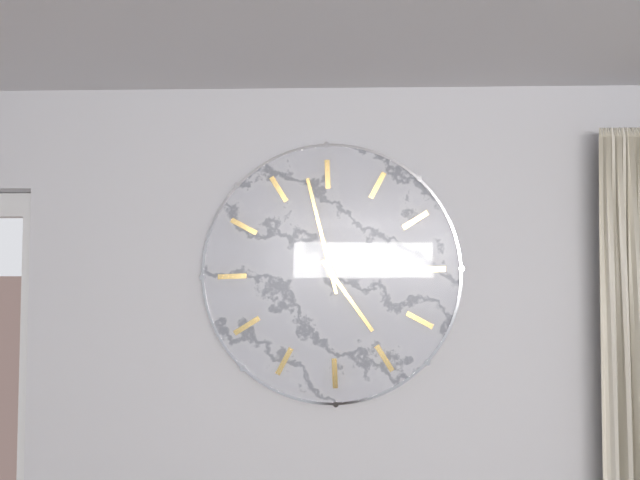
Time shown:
{"hour": 3, "minute": 53}
